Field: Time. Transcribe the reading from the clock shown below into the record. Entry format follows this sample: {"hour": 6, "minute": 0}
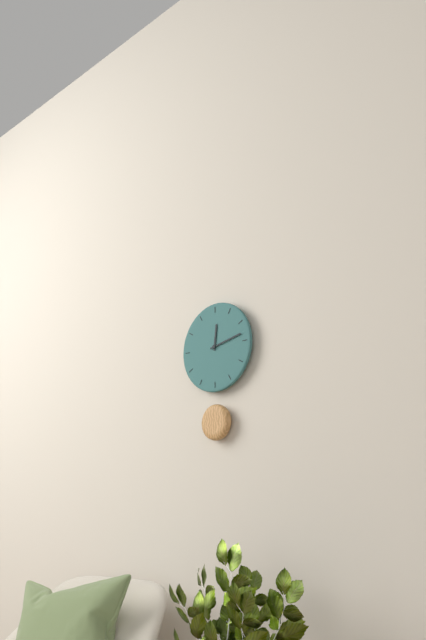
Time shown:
{"hour": 12, "minute": 13}
